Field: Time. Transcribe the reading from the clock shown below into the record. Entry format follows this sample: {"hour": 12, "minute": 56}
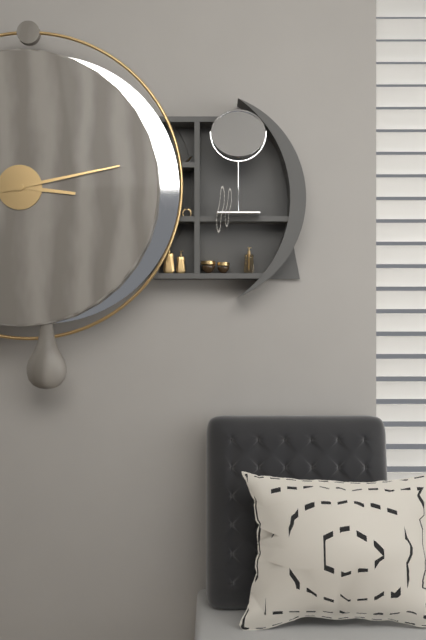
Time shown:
{"hour": 3, "minute": 13}
